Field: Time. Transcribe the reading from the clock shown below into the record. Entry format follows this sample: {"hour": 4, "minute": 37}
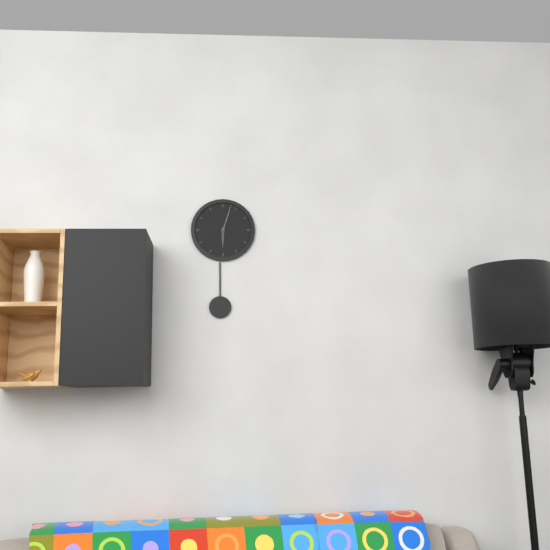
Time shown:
{"hour": 6, "minute": 3}
